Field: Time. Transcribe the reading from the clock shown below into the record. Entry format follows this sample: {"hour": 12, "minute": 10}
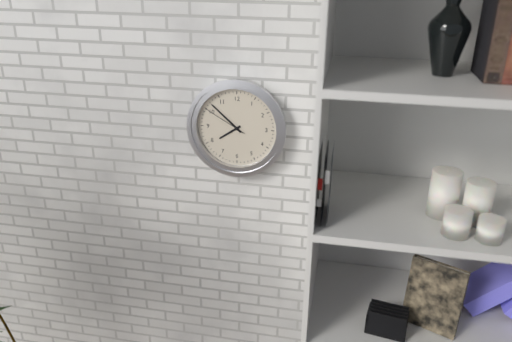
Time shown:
{"hour": 7, "minute": 52}
